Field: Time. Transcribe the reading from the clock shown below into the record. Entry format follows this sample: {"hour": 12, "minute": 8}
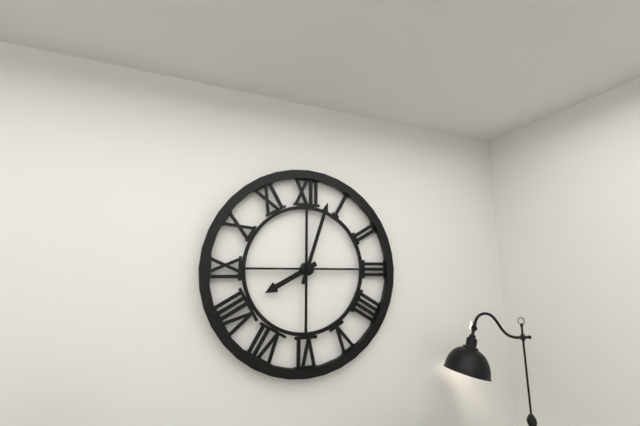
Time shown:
{"hour": 8, "minute": 3}
